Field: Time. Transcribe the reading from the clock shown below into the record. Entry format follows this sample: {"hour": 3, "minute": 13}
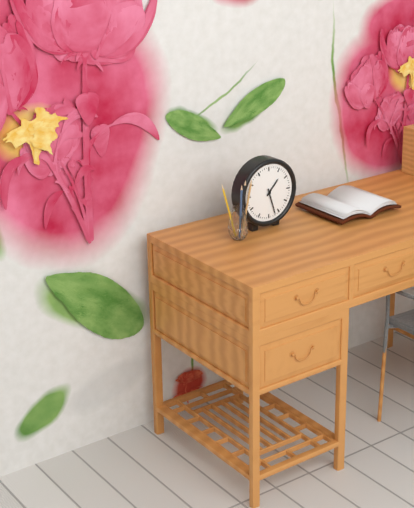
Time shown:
{"hour": 1, "minute": 27}
